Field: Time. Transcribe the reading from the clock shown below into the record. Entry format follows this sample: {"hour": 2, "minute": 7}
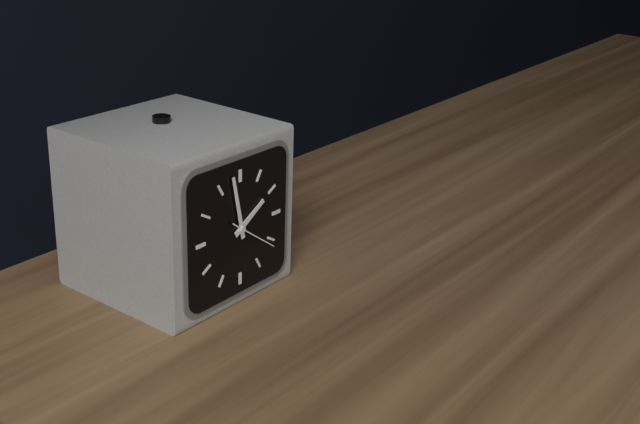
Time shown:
{"hour": 1, "minute": 58}
